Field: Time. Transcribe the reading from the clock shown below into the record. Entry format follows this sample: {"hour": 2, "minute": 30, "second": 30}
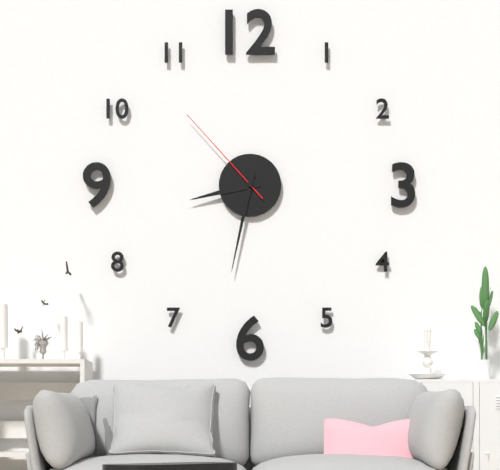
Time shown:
{"hour": 8, "minute": 32, "second": 53}
